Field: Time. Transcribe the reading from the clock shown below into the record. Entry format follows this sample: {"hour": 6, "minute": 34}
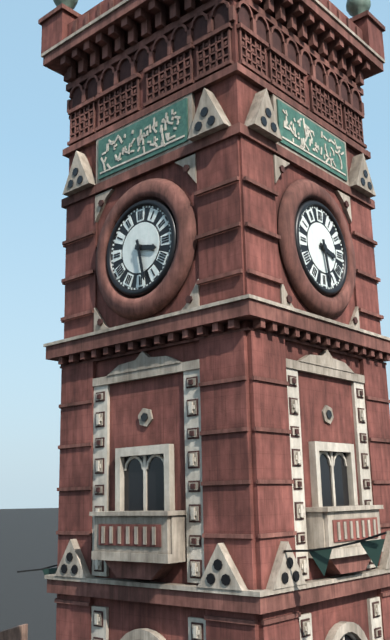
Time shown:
{"hour": 3, "minute": 28}
